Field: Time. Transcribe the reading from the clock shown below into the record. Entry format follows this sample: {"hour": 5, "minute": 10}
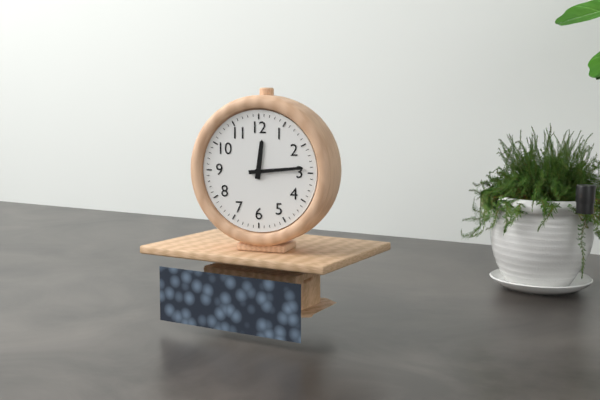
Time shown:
{"hour": 12, "minute": 14}
